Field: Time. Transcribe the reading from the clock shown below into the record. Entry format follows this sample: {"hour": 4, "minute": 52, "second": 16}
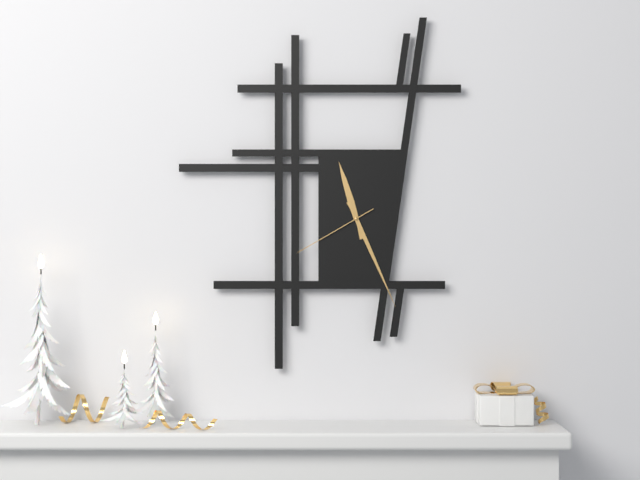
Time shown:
{"hour": 11, "minute": 26, "second": 40}
